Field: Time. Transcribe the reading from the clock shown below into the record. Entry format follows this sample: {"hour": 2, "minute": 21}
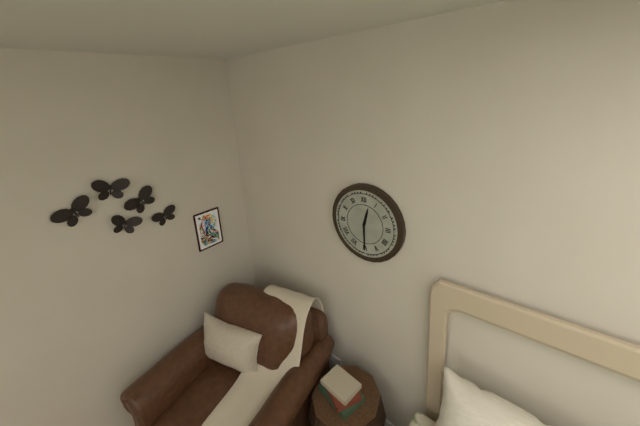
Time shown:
{"hour": 12, "minute": 30}
